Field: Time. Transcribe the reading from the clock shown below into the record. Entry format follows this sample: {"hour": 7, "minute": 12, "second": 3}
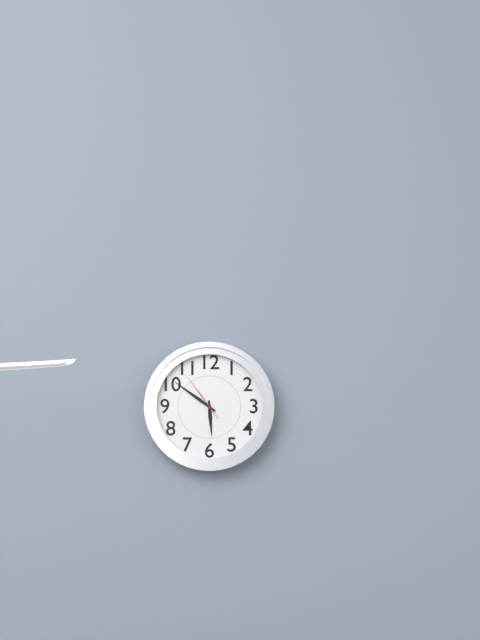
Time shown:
{"hour": 5, "minute": 51, "second": 54}
